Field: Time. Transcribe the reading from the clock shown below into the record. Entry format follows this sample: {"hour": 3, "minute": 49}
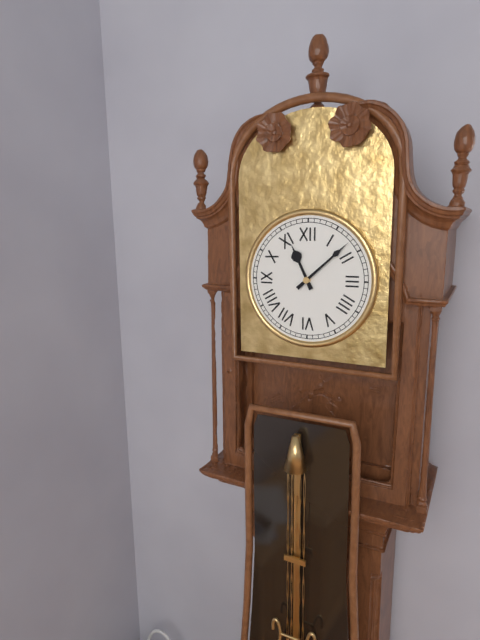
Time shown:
{"hour": 11, "minute": 8}
